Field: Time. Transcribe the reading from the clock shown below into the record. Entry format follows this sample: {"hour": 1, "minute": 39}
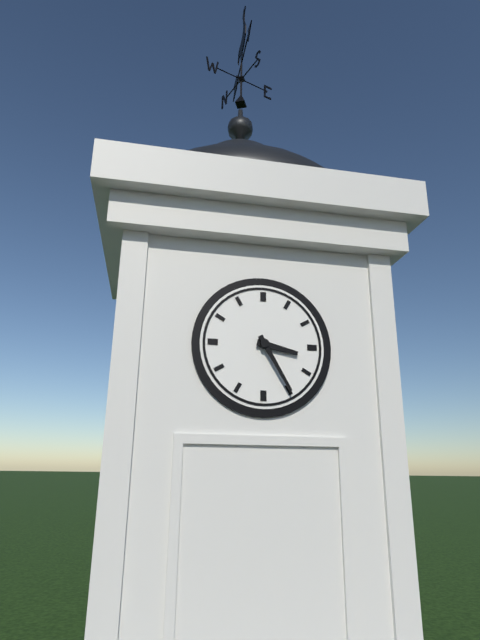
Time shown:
{"hour": 3, "minute": 25}
